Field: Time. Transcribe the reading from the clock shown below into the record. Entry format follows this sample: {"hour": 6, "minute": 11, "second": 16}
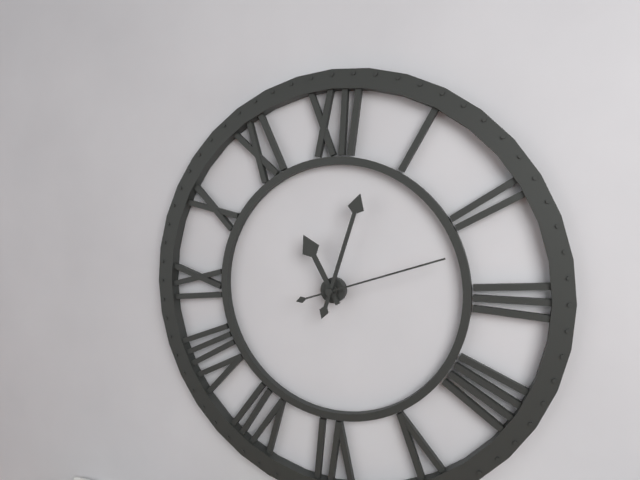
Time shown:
{"hour": 11, "minute": 3, "second": 12}
